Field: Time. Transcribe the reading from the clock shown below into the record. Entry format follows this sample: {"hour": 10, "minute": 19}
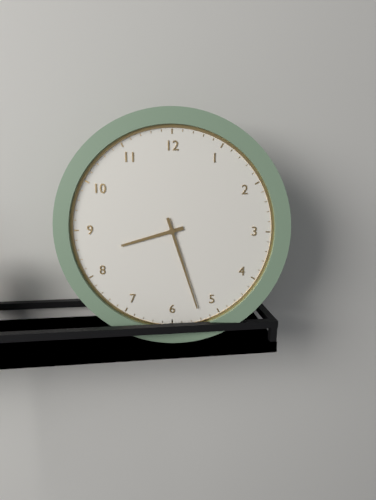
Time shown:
{"hour": 8, "minute": 27}
